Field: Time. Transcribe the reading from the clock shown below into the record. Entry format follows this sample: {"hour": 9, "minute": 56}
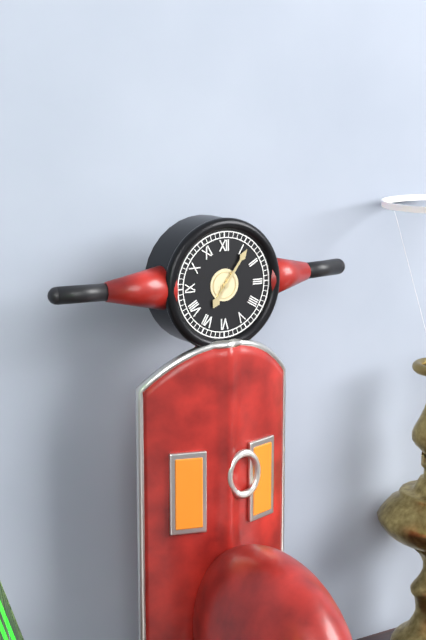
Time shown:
{"hour": 7, "minute": 6}
